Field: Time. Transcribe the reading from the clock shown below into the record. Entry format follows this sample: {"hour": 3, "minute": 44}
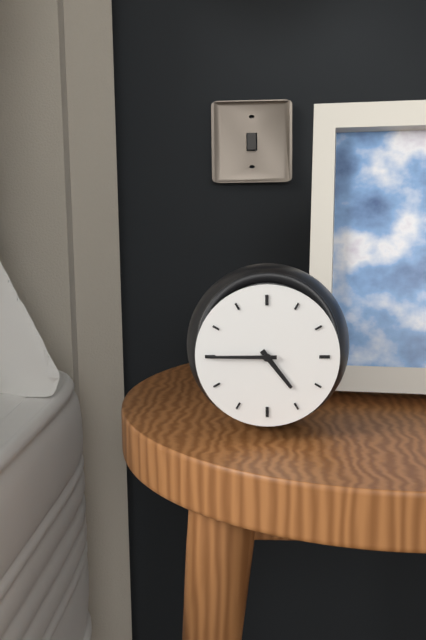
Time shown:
{"hour": 4, "minute": 45}
